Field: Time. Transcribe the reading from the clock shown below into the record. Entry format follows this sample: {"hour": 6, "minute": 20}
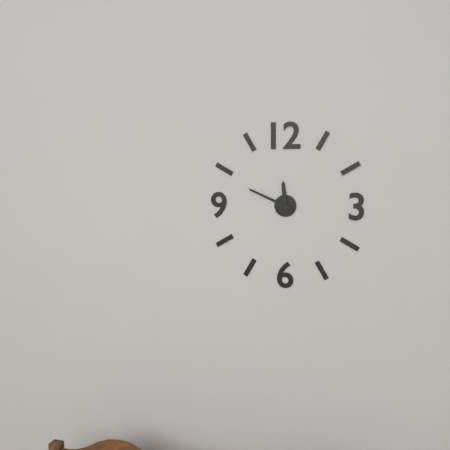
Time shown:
{"hour": 11, "minute": 49}
